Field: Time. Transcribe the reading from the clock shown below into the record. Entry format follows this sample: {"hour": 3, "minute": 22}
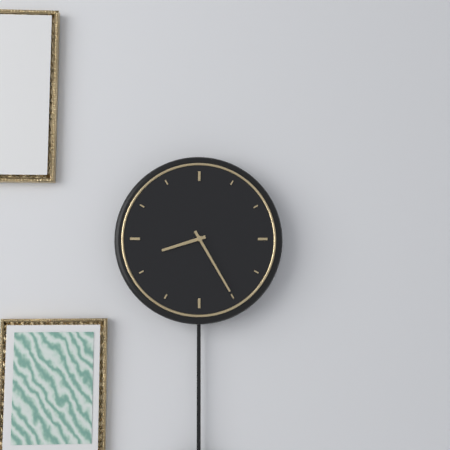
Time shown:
{"hour": 8, "minute": 25}
